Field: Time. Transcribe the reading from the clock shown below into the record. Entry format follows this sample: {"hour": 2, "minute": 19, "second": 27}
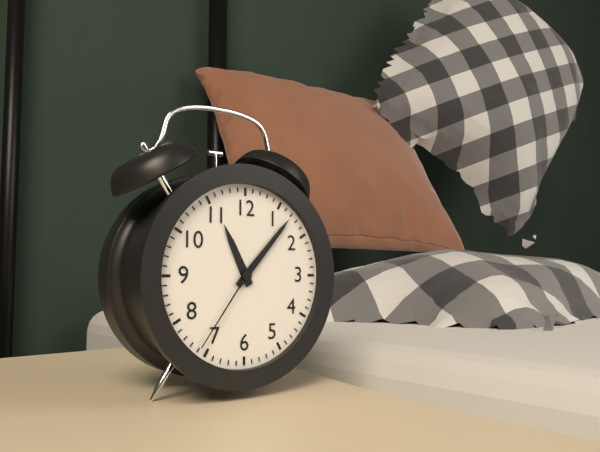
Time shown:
{"hour": 11, "minute": 7, "second": 36}
